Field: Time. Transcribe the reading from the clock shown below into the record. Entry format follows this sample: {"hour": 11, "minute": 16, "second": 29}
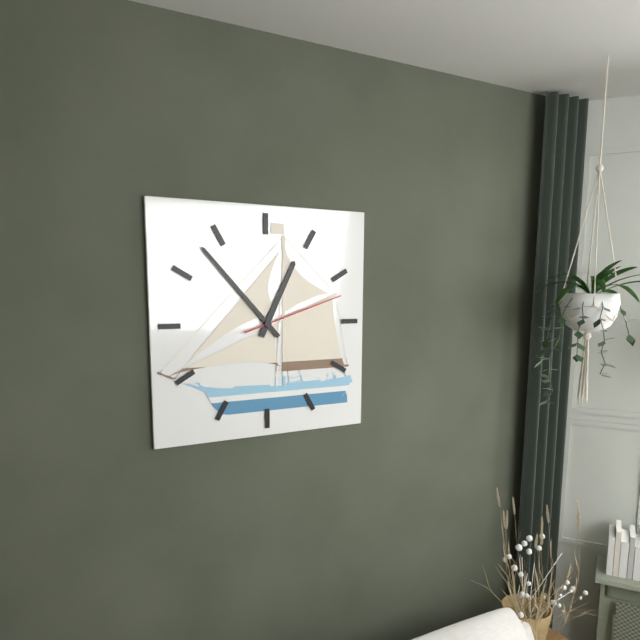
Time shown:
{"hour": 12, "minute": 53, "second": 12}
